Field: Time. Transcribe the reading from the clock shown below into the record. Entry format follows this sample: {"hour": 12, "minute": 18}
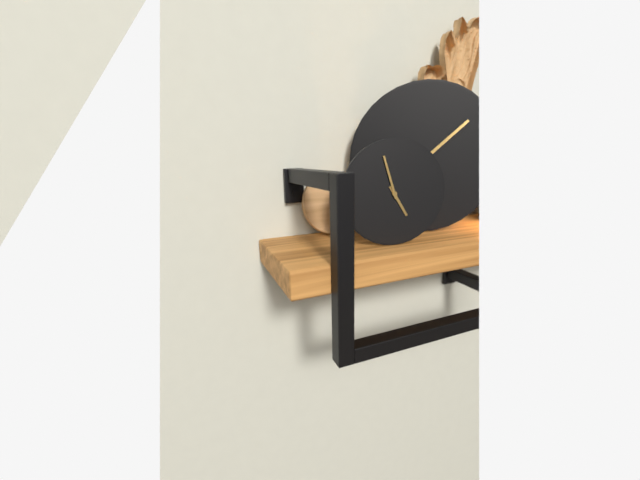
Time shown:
{"hour": 4, "minute": 57}
